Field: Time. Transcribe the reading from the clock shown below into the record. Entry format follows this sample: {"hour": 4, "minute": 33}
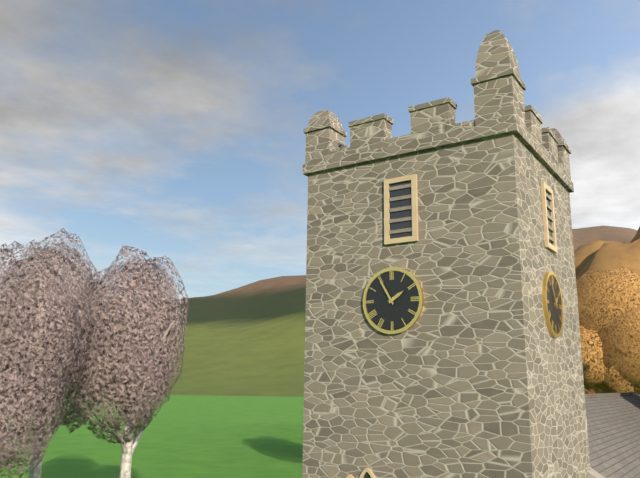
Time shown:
{"hour": 1, "minute": 55}
